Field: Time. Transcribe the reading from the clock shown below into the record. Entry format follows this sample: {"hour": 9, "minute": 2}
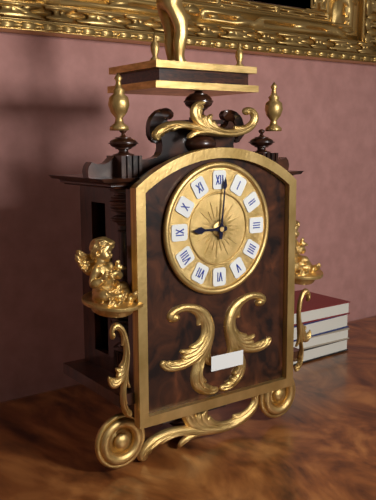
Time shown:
{"hour": 9, "minute": 1}
